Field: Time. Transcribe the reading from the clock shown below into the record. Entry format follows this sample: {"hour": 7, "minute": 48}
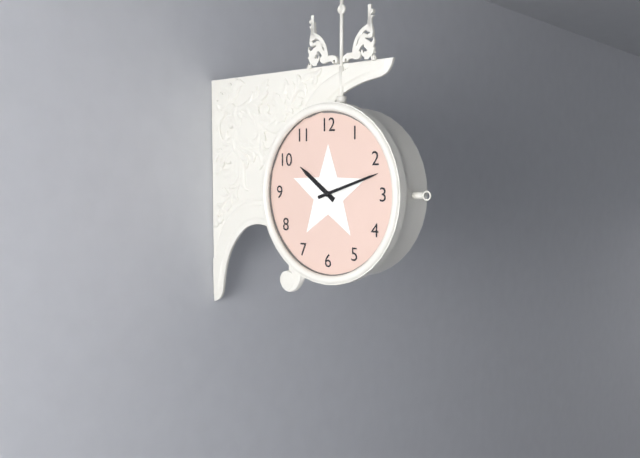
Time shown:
{"hour": 10, "minute": 12}
